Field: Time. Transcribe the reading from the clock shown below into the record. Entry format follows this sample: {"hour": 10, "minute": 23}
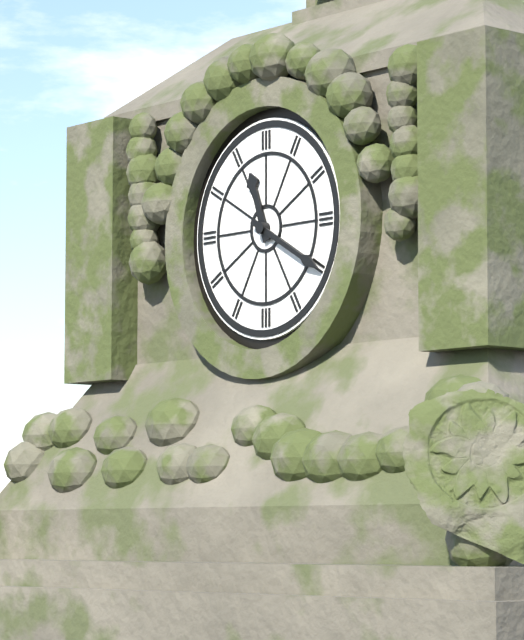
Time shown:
{"hour": 11, "minute": 20}
